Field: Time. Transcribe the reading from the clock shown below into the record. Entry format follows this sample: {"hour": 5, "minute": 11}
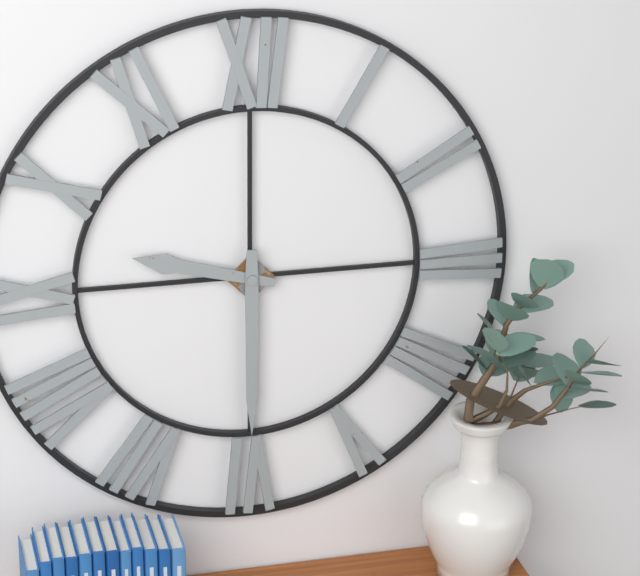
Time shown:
{"hour": 9, "minute": 30}
